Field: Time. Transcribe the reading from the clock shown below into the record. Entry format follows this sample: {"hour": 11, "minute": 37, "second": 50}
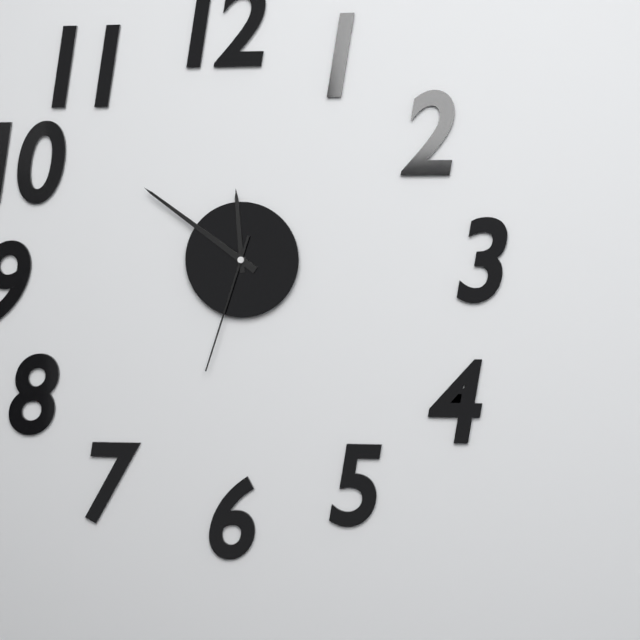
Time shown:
{"hour": 11, "minute": 51, "second": 33}
